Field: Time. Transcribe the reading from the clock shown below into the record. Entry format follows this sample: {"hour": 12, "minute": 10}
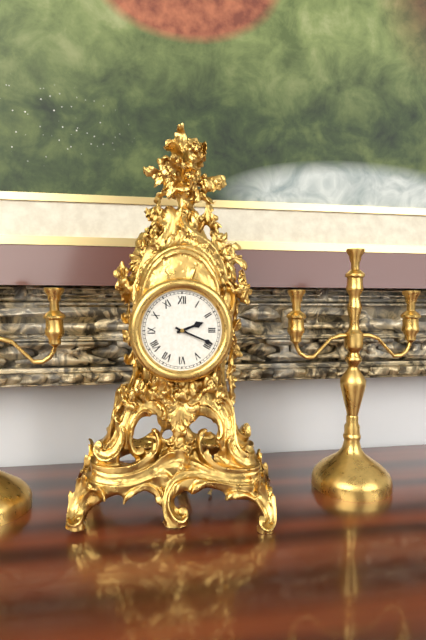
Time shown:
{"hour": 2, "minute": 19}
